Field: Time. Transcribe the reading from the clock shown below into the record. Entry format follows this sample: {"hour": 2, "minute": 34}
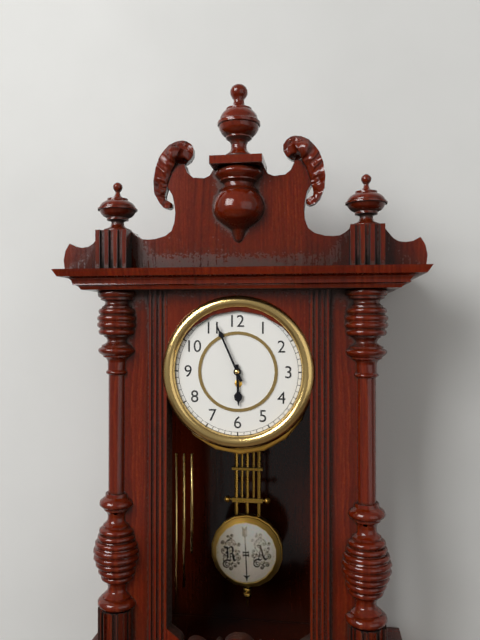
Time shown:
{"hour": 5, "minute": 56}
